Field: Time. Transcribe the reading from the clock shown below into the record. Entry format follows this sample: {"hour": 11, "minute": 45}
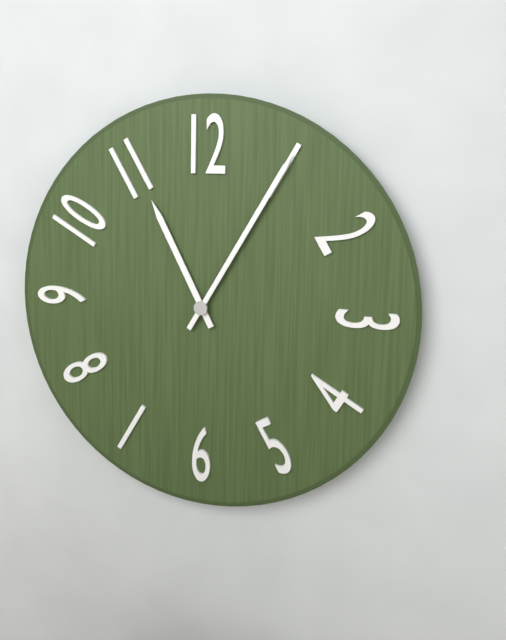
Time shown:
{"hour": 11, "minute": 5}
